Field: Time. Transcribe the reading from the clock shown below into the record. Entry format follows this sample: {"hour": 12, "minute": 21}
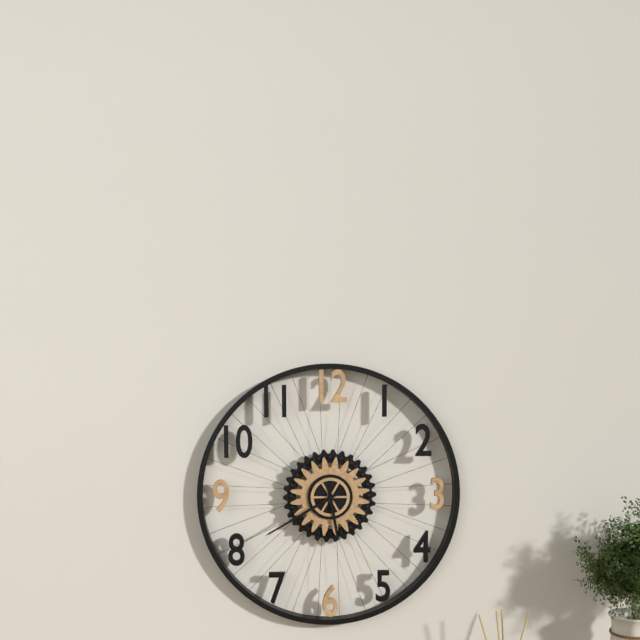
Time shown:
{"hour": 5, "minute": 40}
